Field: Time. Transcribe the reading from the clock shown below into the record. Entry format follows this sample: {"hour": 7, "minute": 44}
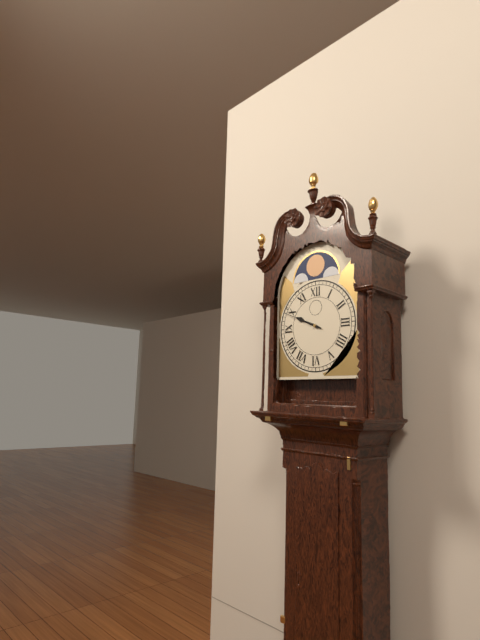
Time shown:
{"hour": 9, "minute": 49}
